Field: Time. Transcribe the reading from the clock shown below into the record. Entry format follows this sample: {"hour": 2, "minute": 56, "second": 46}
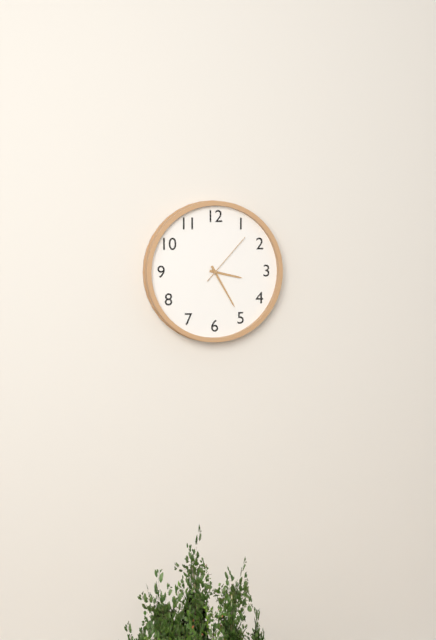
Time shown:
{"hour": 3, "minute": 25, "second": 7}
